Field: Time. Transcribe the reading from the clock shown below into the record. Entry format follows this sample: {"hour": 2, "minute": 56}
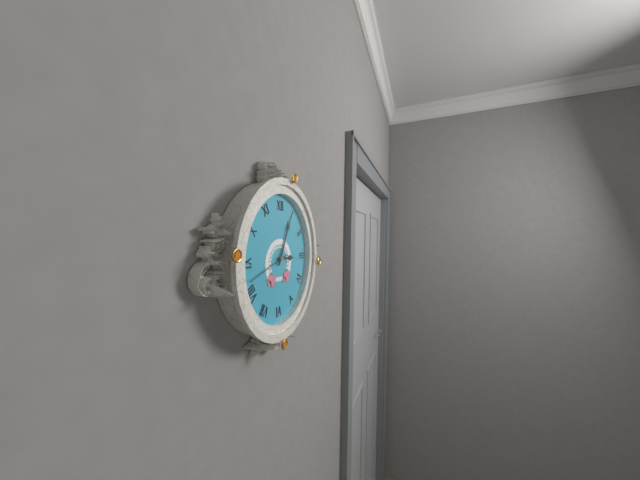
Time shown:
{"hour": 3, "minute": 4}
